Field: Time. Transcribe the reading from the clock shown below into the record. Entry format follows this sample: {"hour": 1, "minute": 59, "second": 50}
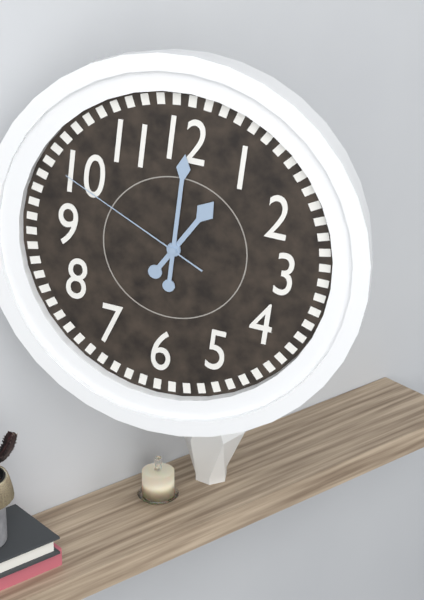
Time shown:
{"hour": 1, "minute": 0, "second": 49}
